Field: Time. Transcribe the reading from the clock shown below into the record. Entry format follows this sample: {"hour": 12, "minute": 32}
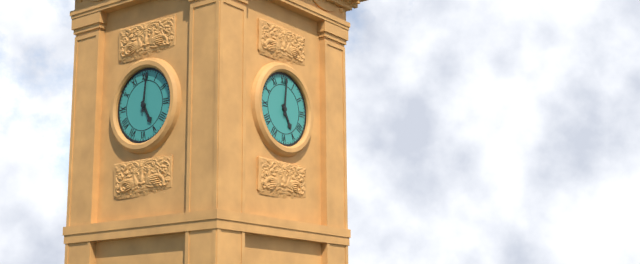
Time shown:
{"hour": 5, "minute": 1}
